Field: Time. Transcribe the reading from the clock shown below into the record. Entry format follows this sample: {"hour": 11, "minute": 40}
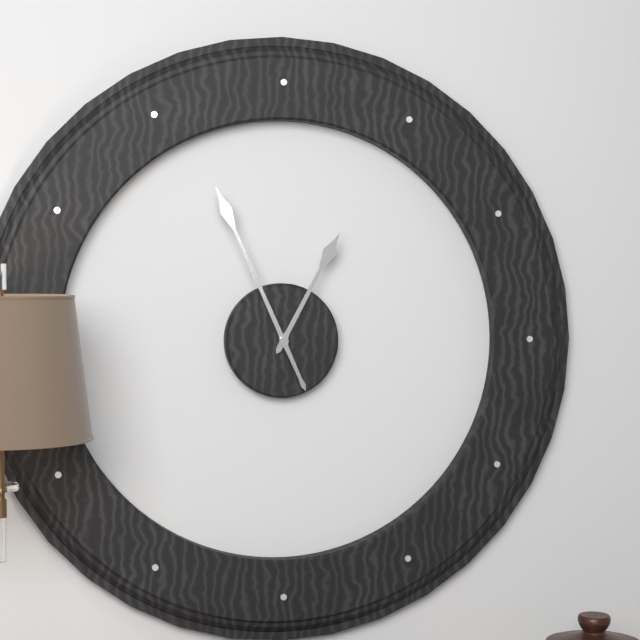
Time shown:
{"hour": 12, "minute": 56}
